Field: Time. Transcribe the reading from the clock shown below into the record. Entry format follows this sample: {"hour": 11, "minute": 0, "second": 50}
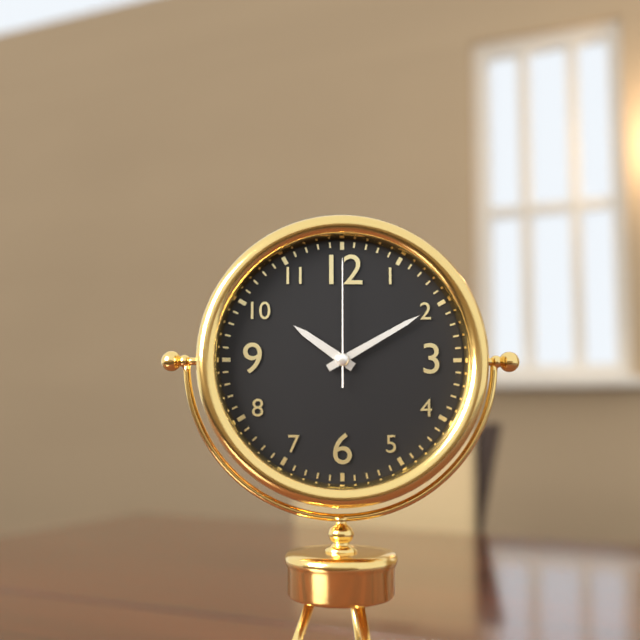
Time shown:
{"hour": 10, "minute": 10, "second": 0}
